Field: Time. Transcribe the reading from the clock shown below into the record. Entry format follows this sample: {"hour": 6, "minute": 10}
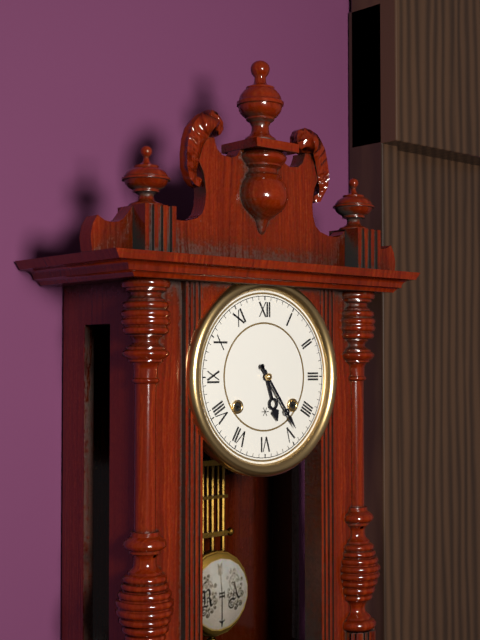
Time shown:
{"hour": 5, "minute": 24}
